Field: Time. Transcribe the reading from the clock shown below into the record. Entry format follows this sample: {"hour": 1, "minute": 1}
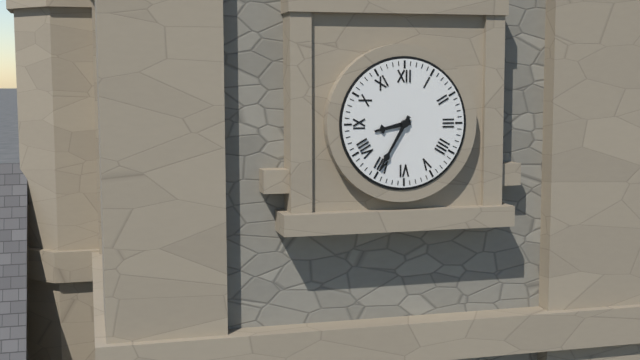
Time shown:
{"hour": 8, "minute": 35}
